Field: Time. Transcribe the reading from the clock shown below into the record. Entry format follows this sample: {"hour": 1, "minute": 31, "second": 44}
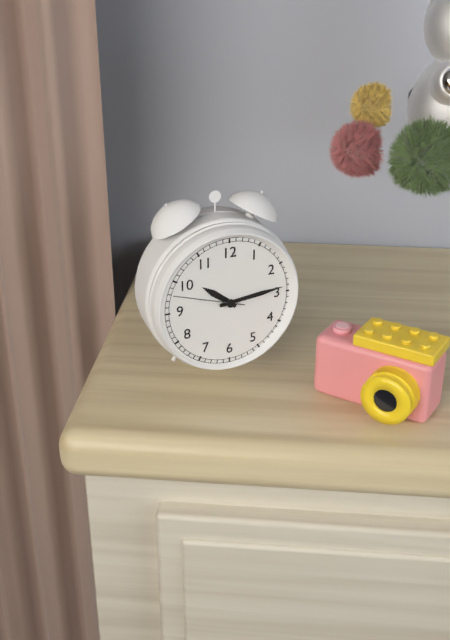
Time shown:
{"hour": 10, "minute": 14, "second": 48}
